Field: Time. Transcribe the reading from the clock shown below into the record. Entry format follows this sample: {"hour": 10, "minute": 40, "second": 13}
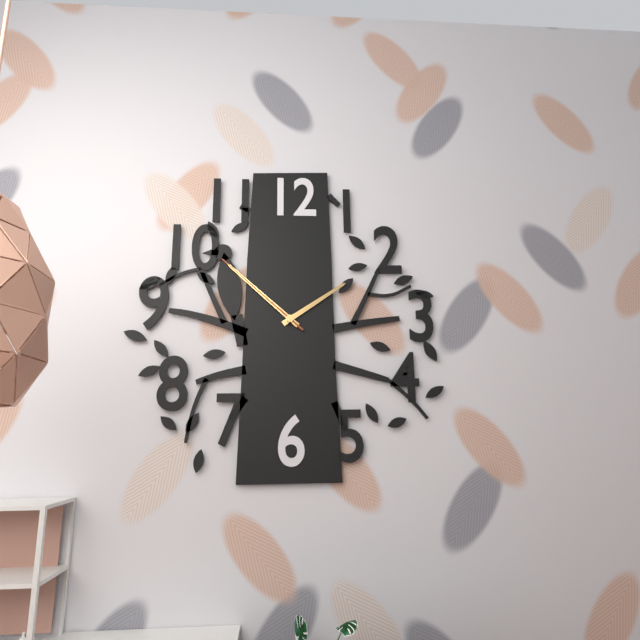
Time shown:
{"hour": 1, "minute": 52, "second": 52}
